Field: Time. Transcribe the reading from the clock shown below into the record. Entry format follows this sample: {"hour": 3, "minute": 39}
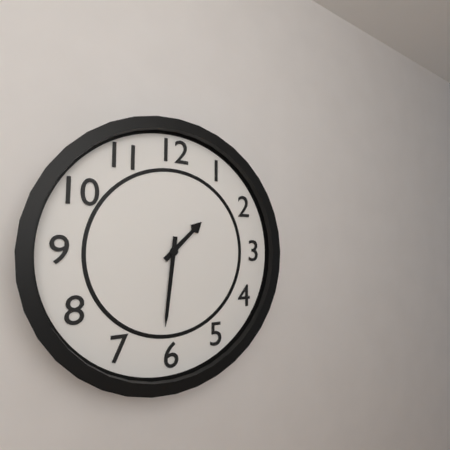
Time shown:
{"hour": 1, "minute": 31}
